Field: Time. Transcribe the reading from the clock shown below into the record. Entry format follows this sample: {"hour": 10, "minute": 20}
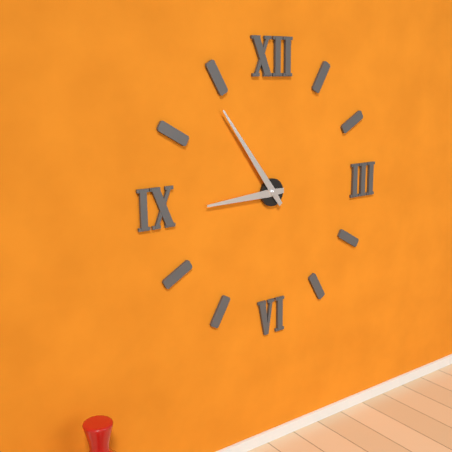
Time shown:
{"hour": 8, "minute": 54}
